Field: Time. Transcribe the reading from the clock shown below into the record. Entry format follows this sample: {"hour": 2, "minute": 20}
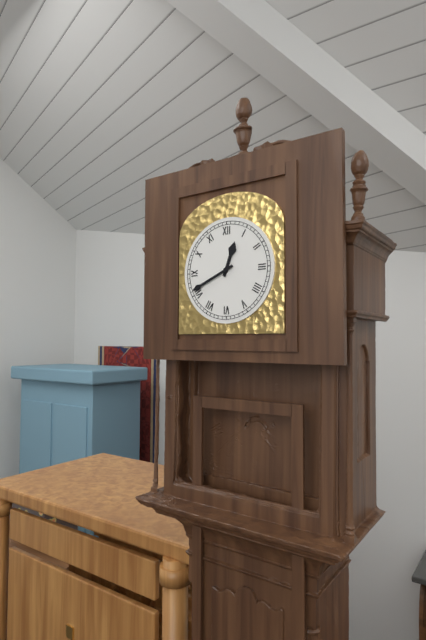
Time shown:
{"hour": 12, "minute": 41}
